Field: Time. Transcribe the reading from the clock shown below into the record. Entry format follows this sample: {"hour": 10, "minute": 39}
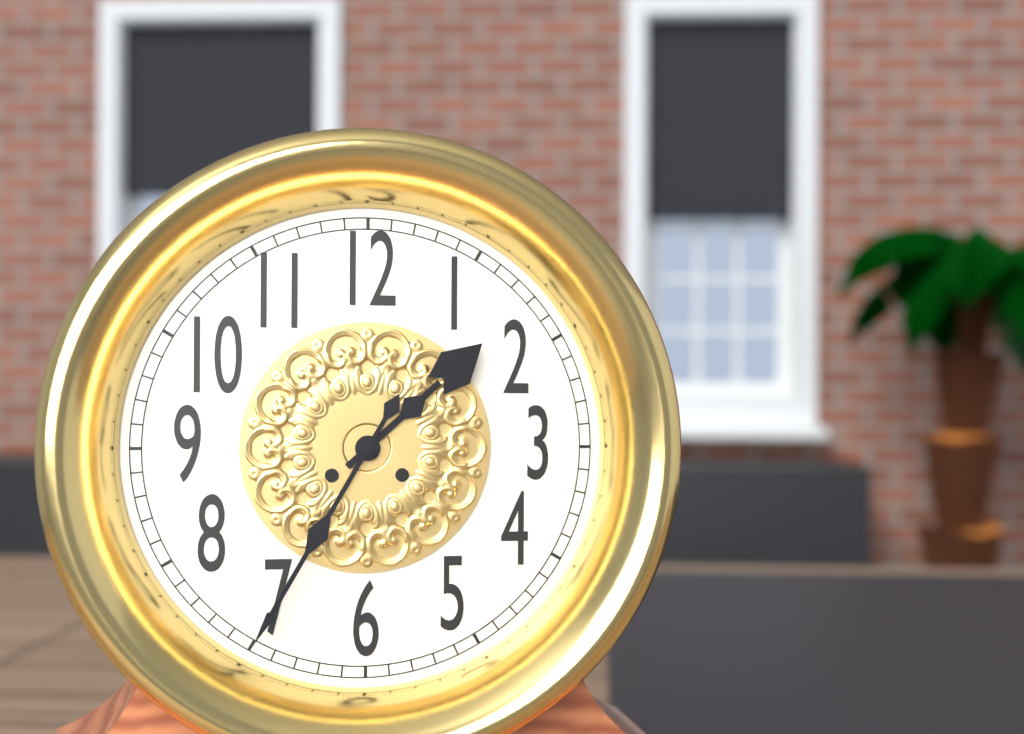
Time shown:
{"hour": 1, "minute": 35}
